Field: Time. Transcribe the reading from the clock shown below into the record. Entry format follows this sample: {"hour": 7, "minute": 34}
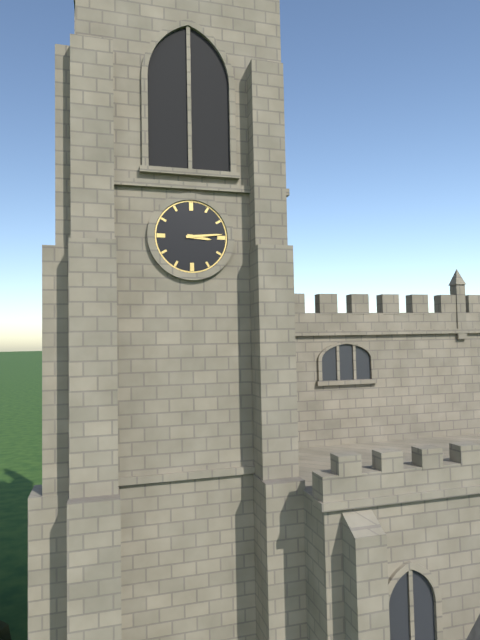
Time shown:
{"hour": 3, "minute": 14}
